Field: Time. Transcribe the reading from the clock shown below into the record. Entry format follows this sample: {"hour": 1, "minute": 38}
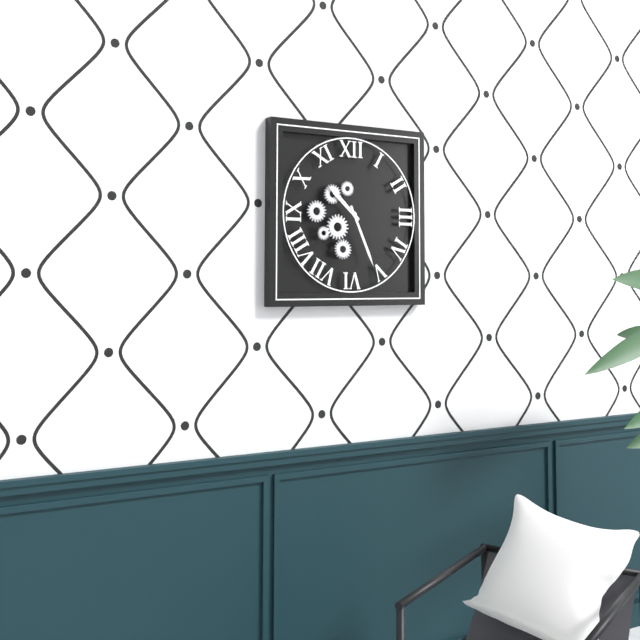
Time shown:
{"hour": 10, "minute": 26}
